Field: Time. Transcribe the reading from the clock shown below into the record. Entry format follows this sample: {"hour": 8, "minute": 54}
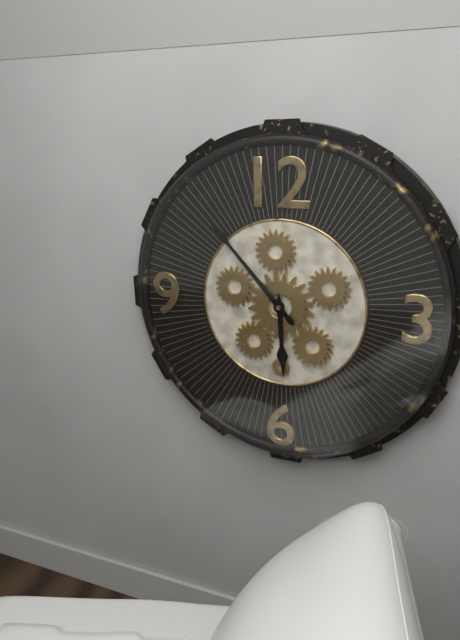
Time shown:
{"hour": 5, "minute": 53}
